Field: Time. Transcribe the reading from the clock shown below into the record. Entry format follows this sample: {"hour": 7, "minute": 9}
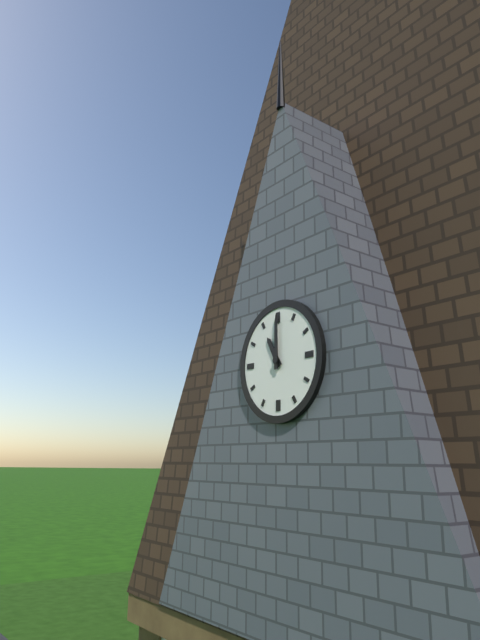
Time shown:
{"hour": 11, "minute": 0}
